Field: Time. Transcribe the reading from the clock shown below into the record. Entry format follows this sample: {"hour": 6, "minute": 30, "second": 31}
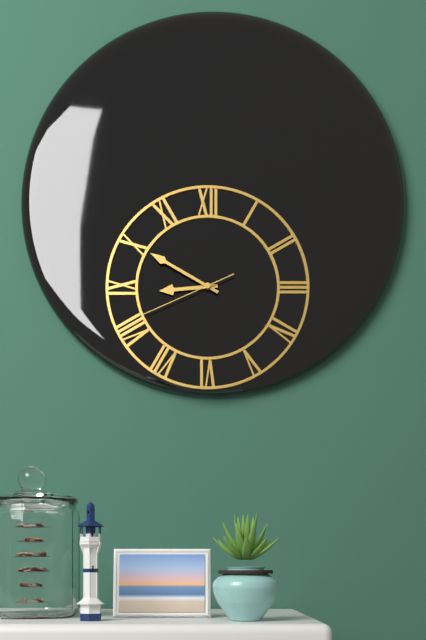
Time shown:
{"hour": 8, "minute": 50, "second": 41}
